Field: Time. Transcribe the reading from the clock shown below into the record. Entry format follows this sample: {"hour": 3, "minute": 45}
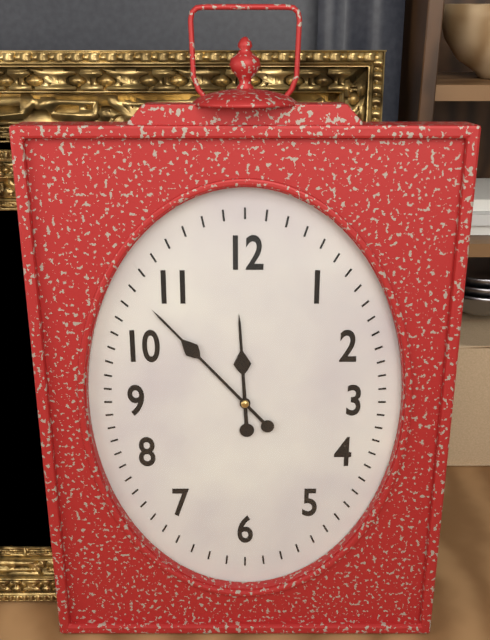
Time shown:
{"hour": 11, "minute": 53}
